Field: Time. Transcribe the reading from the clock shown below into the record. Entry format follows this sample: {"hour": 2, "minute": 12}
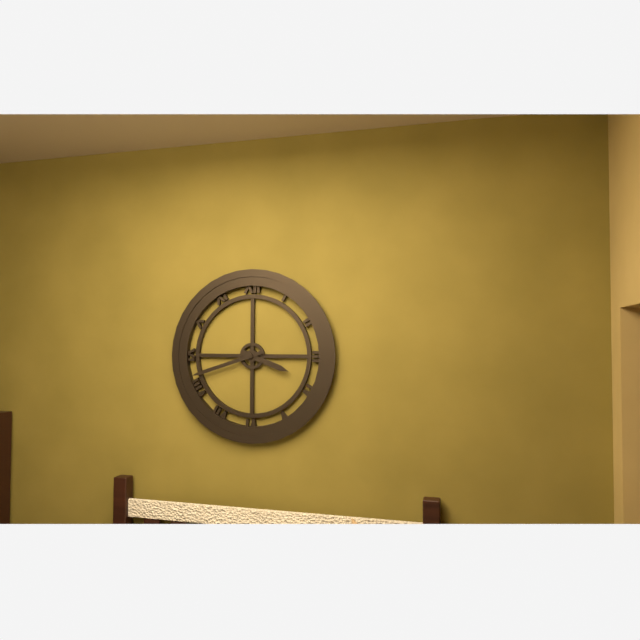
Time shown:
{"hour": 3, "minute": 42}
